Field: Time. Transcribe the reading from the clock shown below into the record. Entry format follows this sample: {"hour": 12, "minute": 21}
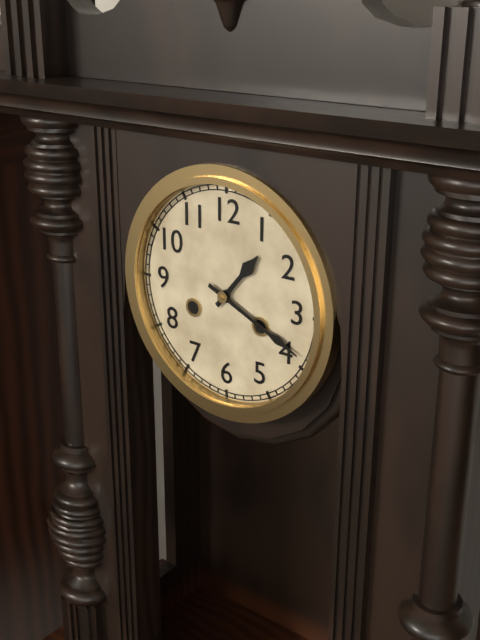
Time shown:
{"hour": 1, "minute": 19}
